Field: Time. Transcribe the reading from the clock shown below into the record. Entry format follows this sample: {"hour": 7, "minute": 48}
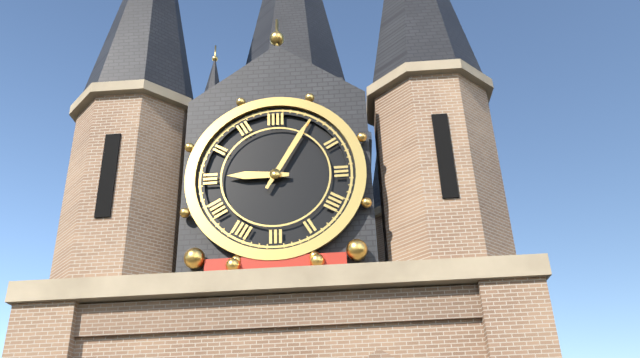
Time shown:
{"hour": 9, "minute": 5}
